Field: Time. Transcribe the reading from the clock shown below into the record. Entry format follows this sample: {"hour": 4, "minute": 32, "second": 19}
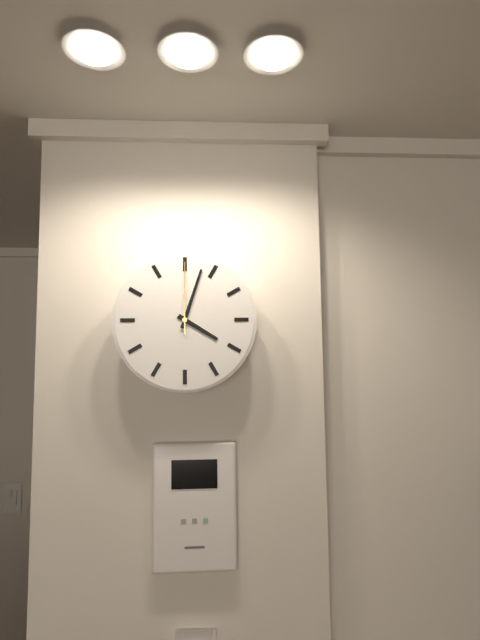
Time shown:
{"hour": 4, "minute": 3, "second": 0}
